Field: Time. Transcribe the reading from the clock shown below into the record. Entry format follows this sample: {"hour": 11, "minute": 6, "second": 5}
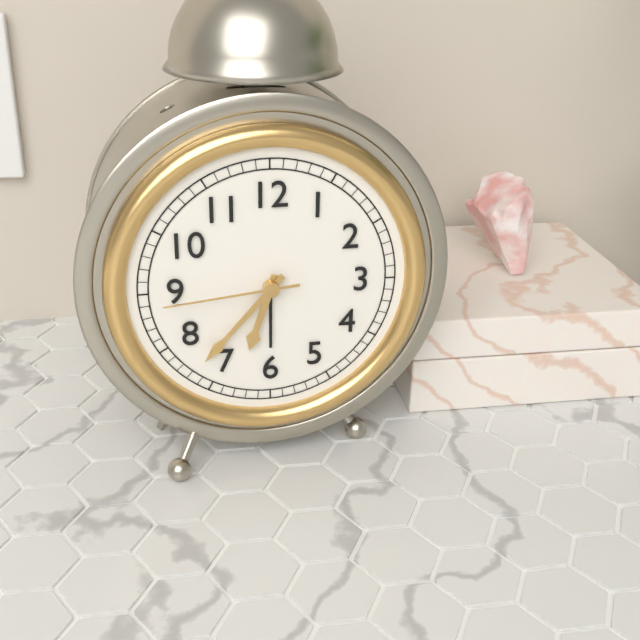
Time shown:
{"hour": 6, "minute": 37, "second": 44}
